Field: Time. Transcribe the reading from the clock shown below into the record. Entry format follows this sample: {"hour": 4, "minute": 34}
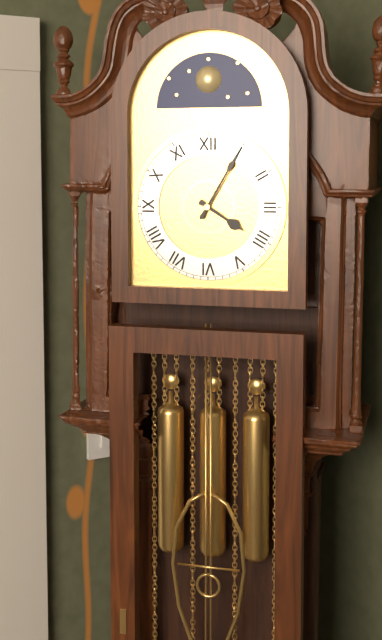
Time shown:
{"hour": 4, "minute": 5}
